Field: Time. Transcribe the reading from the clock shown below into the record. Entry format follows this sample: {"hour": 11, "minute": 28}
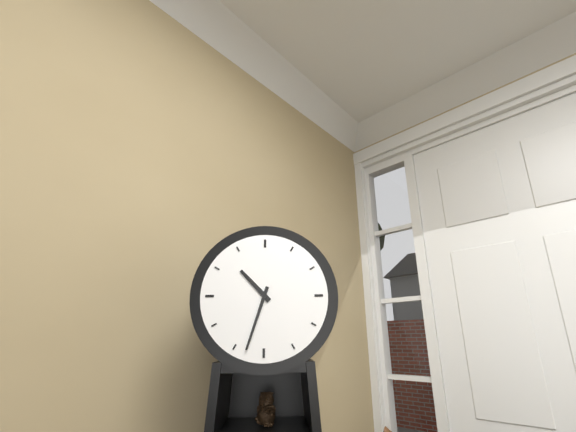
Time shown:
{"hour": 10, "minute": 33}
